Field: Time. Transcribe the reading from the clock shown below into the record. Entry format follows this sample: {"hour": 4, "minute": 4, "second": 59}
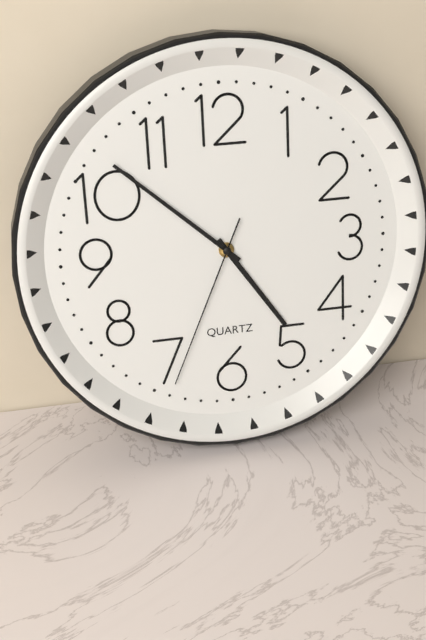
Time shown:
{"hour": 4, "minute": 52, "second": 34}
